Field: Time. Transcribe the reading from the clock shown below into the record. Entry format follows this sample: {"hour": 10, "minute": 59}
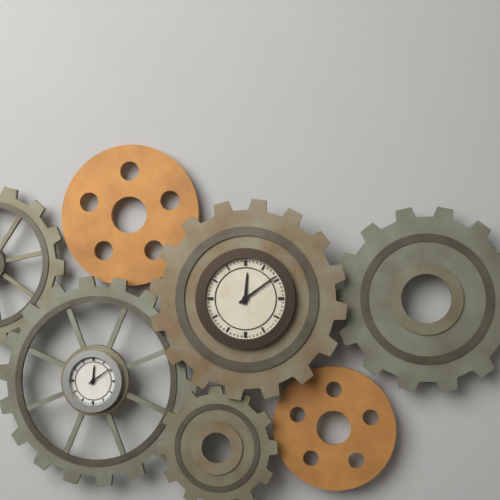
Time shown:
{"hour": 12, "minute": 9}
